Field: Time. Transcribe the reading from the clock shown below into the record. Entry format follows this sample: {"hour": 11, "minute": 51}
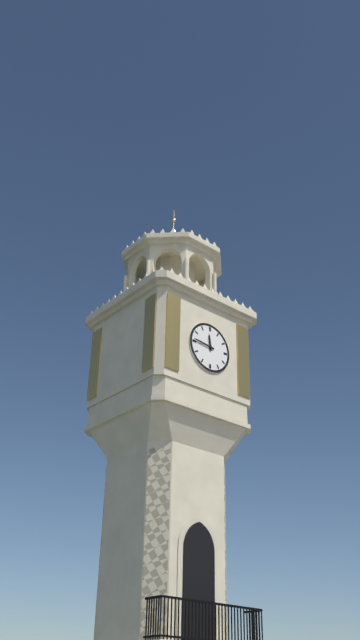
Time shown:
{"hour": 11, "minute": 46}
